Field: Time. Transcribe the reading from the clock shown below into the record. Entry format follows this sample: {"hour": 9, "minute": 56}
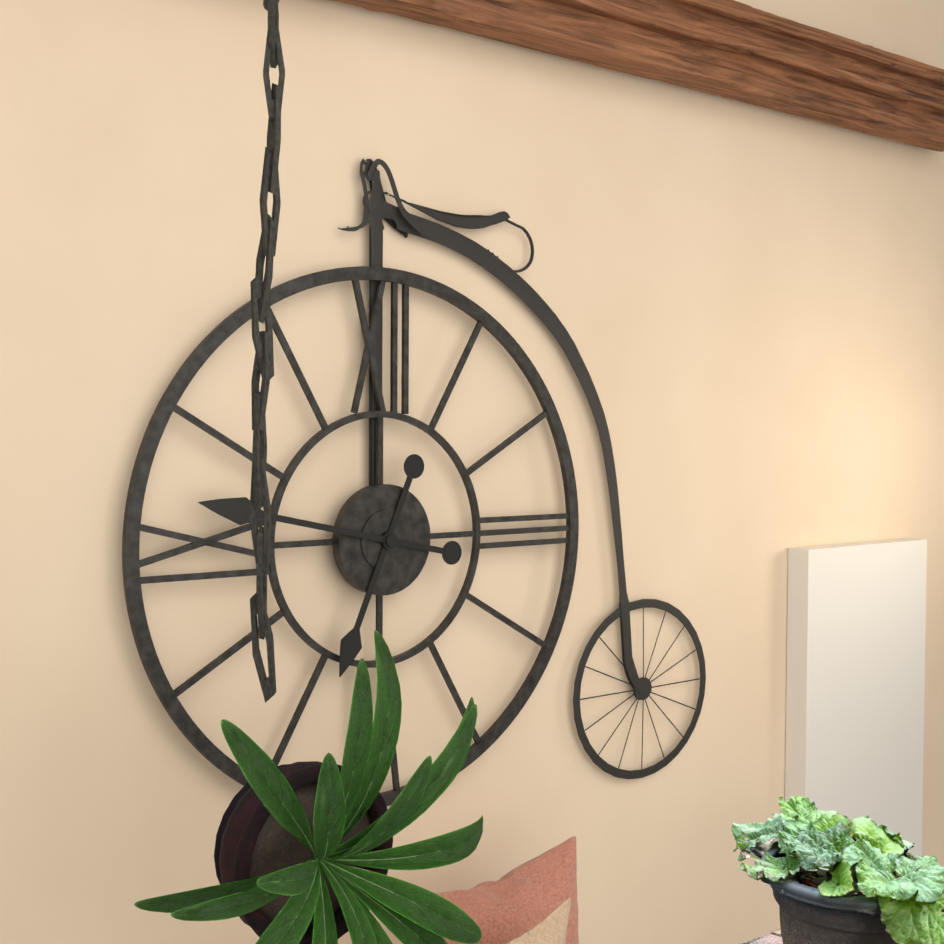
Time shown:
{"hour": 6, "minute": 47}
